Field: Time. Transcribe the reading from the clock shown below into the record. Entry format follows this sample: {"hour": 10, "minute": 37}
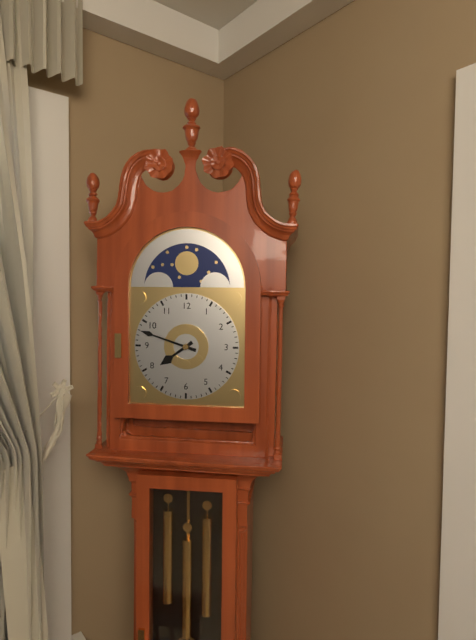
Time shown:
{"hour": 7, "minute": 48}
